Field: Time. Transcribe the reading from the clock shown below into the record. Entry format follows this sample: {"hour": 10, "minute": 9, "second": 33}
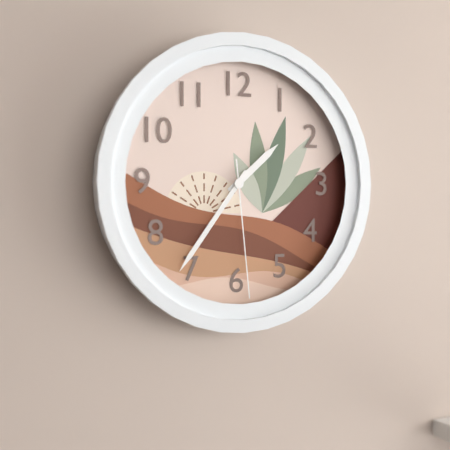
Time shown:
{"hour": 1, "minute": 36, "second": 29}
